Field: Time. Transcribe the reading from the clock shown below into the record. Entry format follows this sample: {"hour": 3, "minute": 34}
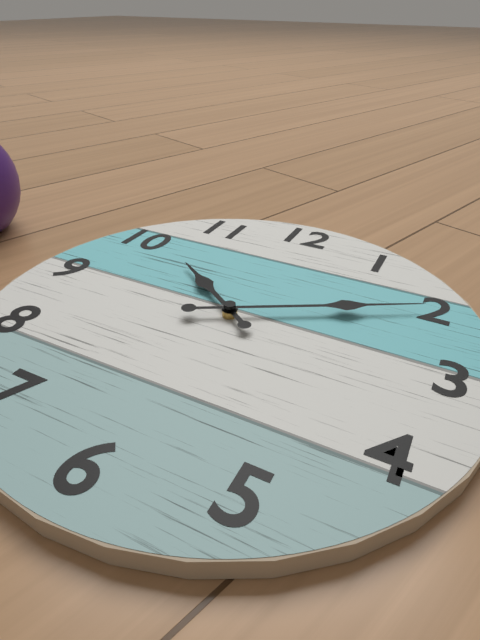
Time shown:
{"hour": 10, "minute": 10}
